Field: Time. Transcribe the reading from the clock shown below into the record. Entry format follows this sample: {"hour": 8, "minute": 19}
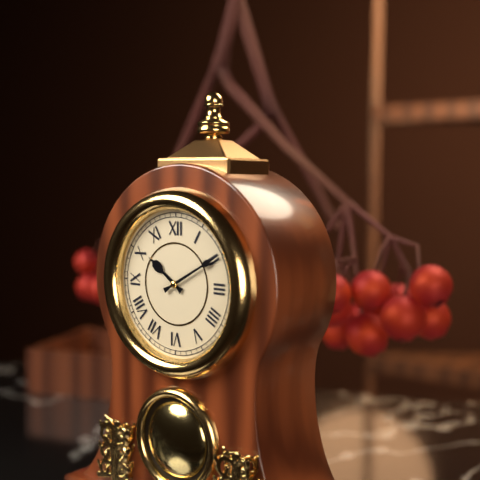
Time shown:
{"hour": 10, "minute": 10}
